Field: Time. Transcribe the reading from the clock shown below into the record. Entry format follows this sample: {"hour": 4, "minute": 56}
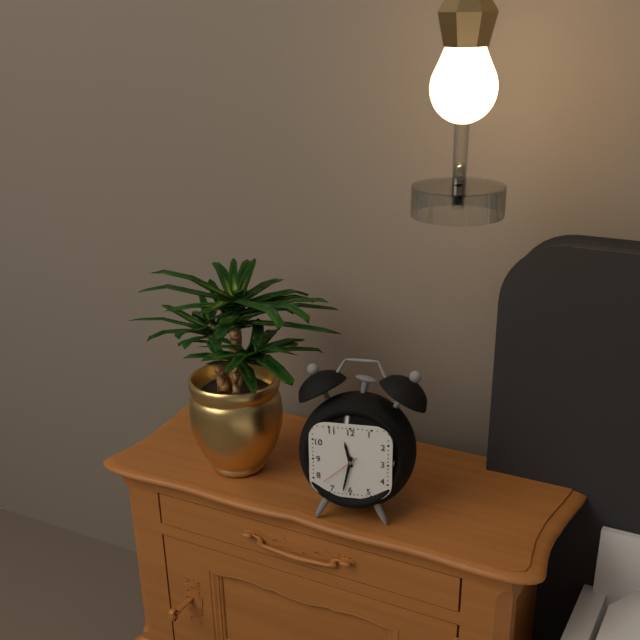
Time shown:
{"hour": 11, "minute": 32}
